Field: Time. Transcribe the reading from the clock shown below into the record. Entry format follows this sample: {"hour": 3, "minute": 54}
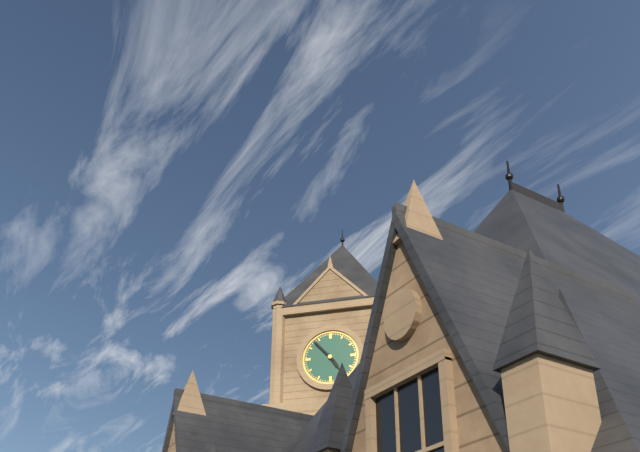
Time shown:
{"hour": 4, "minute": 53}
